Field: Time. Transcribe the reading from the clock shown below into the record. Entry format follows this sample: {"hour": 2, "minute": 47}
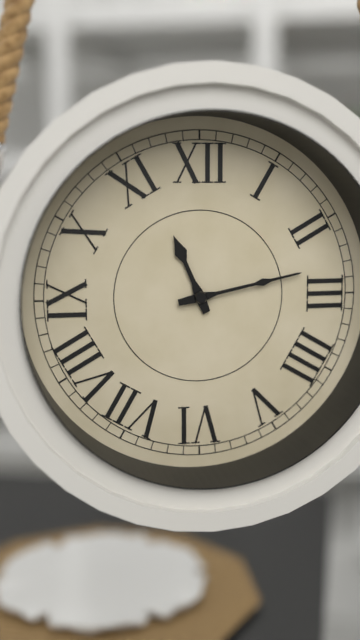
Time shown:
{"hour": 11, "minute": 13}
